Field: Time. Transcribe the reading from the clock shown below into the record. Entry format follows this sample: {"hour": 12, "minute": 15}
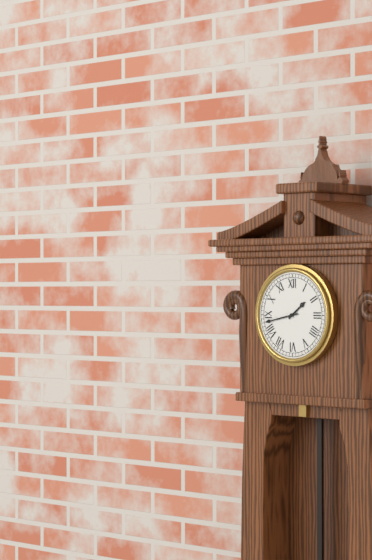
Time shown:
{"hour": 1, "minute": 43}
